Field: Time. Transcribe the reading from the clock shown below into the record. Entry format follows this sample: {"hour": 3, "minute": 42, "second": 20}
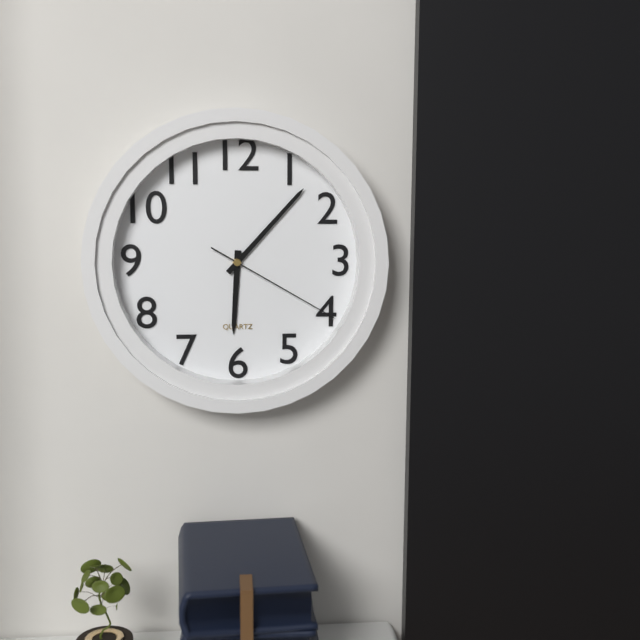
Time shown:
{"hour": 6, "minute": 7, "second": 20}
